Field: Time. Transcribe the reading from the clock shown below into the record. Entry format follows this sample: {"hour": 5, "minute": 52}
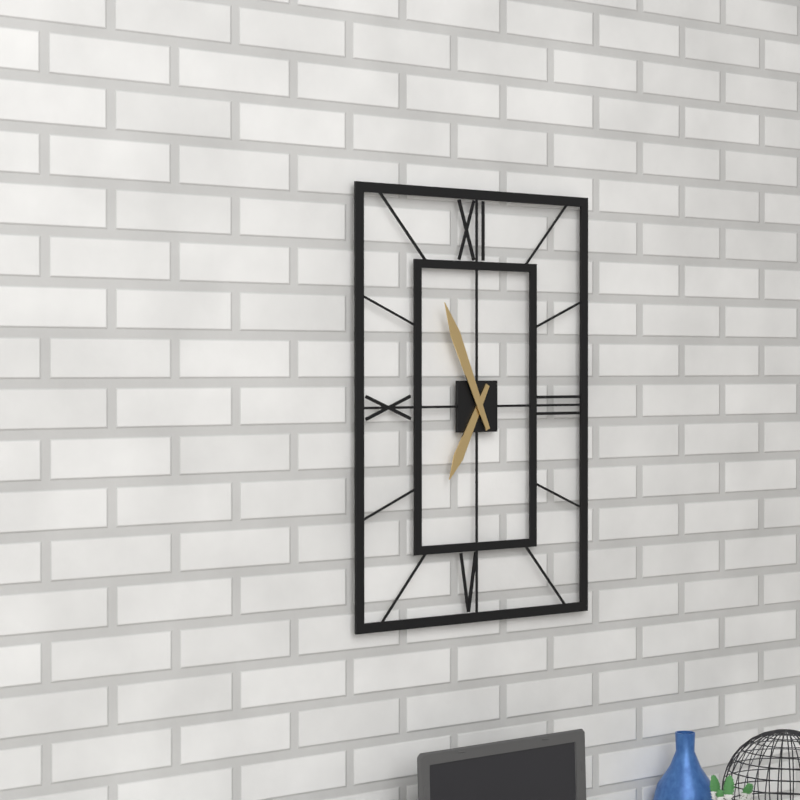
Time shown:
{"hour": 6, "minute": 56}
